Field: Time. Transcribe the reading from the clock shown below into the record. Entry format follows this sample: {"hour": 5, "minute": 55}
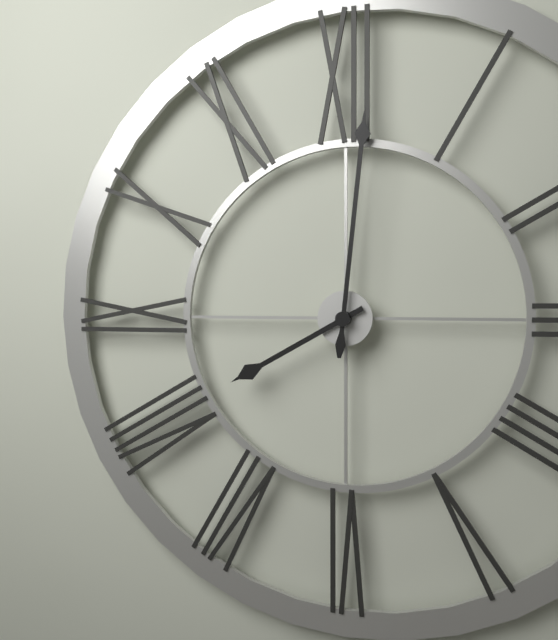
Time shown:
{"hour": 8, "minute": 1}
